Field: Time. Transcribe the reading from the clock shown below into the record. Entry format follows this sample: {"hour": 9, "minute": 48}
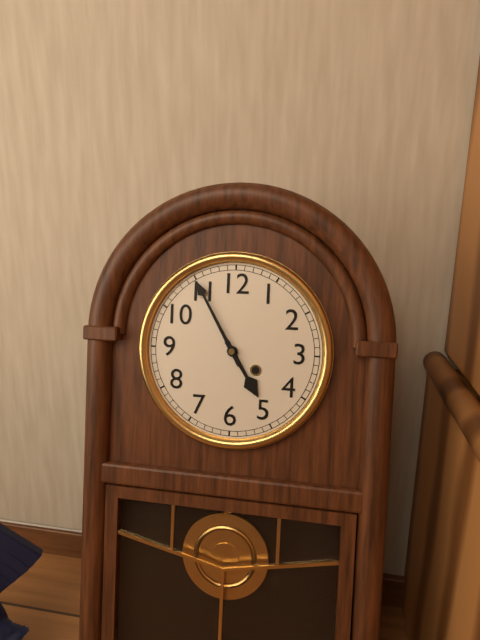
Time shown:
{"hour": 4, "minute": 55}
